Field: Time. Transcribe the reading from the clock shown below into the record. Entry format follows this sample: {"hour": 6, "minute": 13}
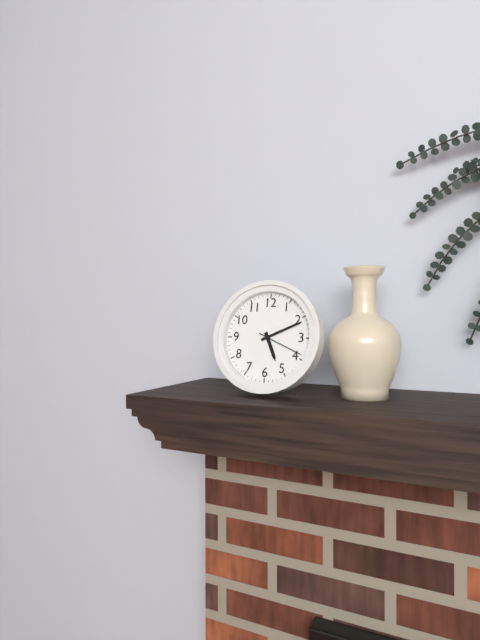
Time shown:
{"hour": 5, "minute": 11}
